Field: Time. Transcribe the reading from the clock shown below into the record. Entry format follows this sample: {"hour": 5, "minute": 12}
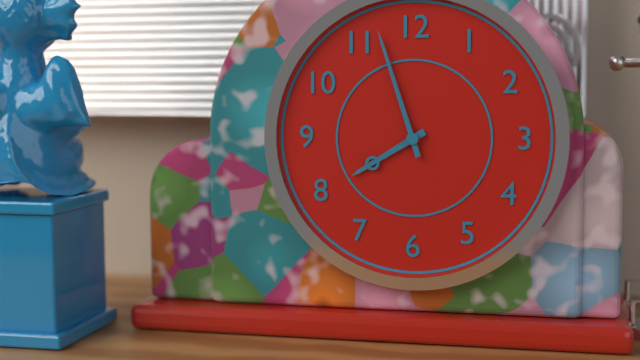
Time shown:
{"hour": 7, "minute": 57}
